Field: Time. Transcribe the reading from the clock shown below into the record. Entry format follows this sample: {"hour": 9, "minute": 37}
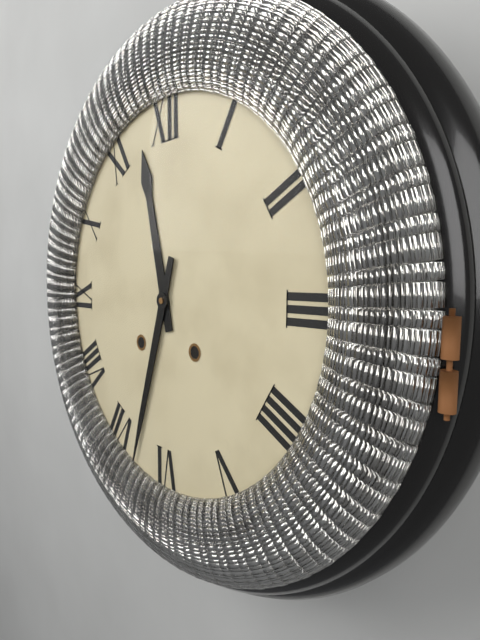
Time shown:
{"hour": 11, "minute": 33}
